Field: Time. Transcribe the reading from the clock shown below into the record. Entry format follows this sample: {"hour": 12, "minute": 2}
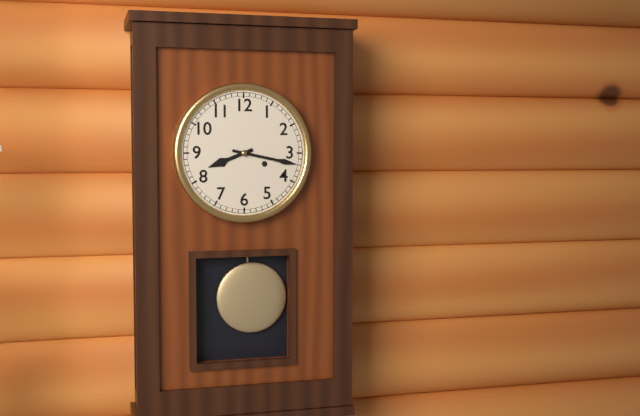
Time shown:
{"hour": 8, "minute": 17}
